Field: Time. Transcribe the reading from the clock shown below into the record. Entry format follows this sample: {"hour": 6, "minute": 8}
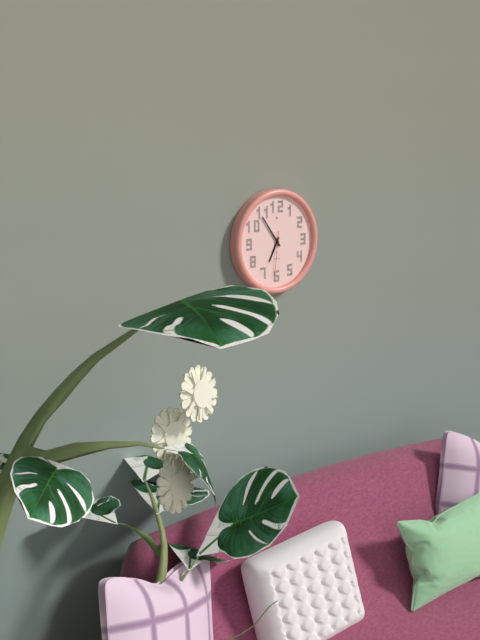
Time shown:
{"hour": 6, "minute": 54}
